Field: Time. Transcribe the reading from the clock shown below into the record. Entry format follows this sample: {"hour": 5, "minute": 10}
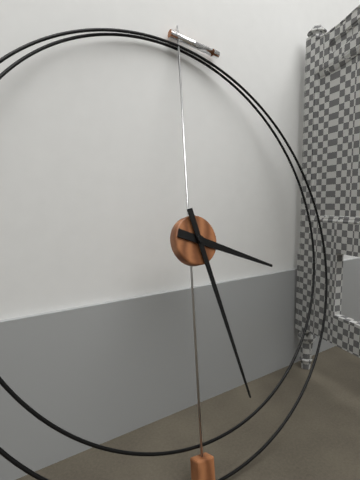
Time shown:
{"hour": 3, "minute": 27}
